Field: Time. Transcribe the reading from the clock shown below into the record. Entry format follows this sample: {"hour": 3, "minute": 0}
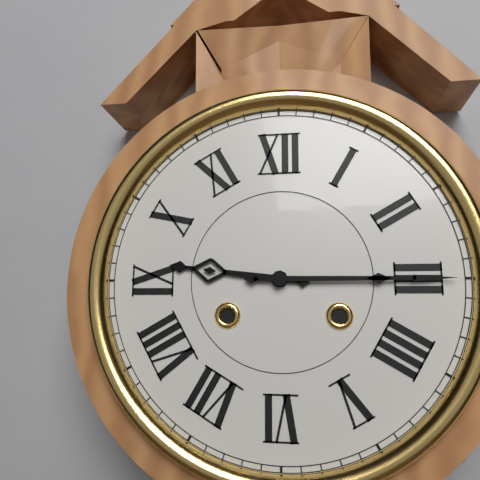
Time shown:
{"hour": 9, "minute": 15}
